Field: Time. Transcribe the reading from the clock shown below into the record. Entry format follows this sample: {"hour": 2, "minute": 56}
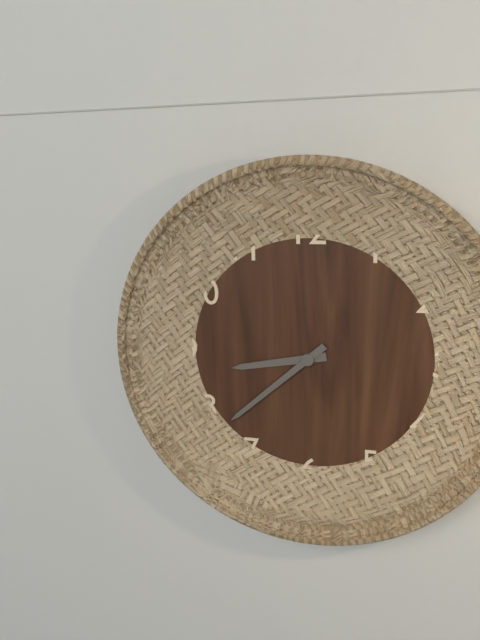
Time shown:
{"hour": 8, "minute": 38}
